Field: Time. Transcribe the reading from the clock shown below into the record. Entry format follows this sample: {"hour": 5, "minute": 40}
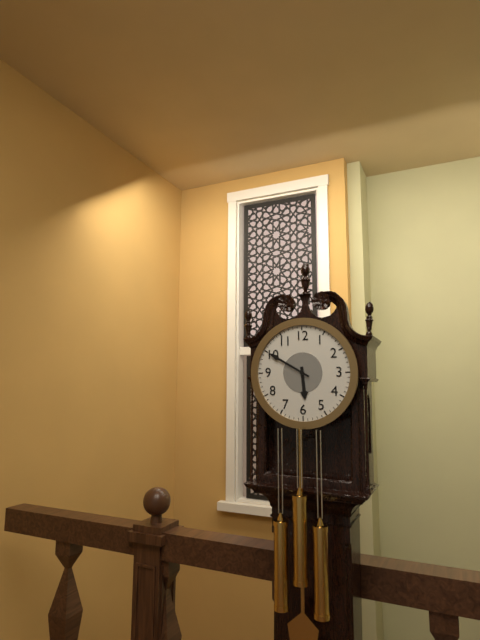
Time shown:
{"hour": 5, "minute": 50}
